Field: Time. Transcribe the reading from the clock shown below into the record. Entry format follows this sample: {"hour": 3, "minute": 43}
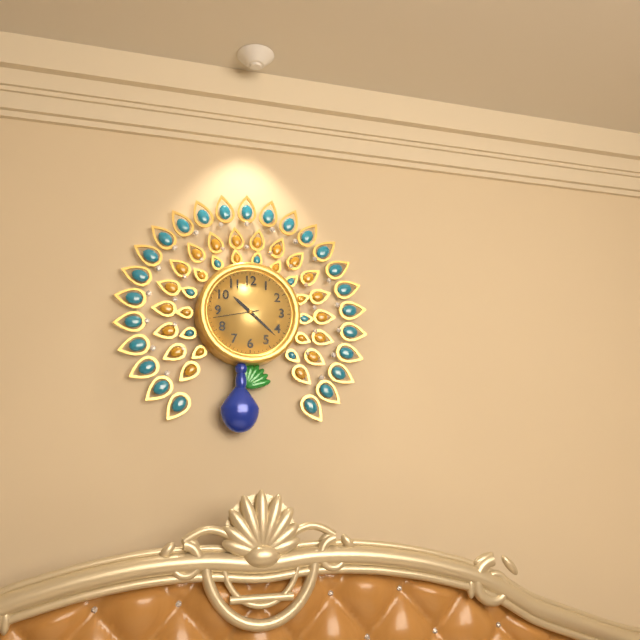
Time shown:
{"hour": 10, "minute": 22}
